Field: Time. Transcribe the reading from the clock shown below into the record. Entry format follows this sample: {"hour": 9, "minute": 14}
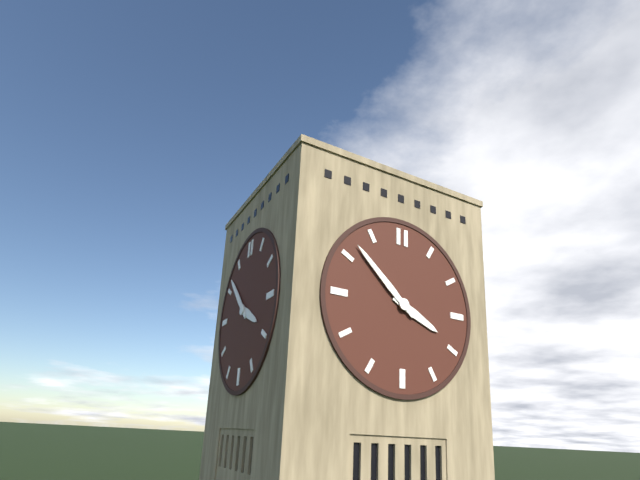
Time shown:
{"hour": 3, "minute": 52}
